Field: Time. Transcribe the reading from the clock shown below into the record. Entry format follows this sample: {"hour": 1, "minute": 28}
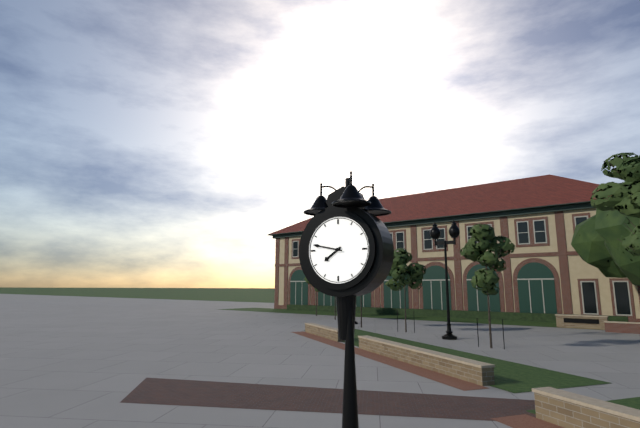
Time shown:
{"hour": 7, "minute": 47}
